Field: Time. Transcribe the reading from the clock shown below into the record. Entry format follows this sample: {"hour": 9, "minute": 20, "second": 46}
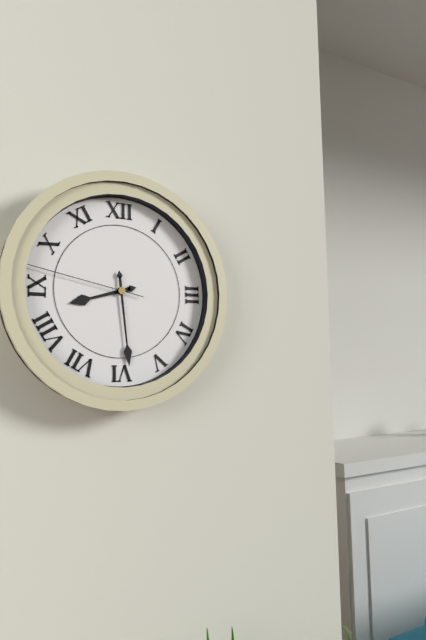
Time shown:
{"hour": 8, "minute": 29, "second": 47}
